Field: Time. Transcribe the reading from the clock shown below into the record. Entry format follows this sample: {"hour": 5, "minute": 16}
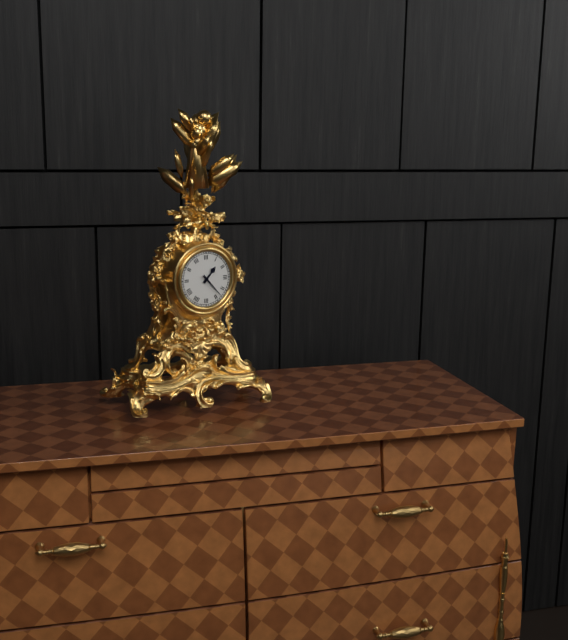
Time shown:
{"hour": 1, "minute": 23}
